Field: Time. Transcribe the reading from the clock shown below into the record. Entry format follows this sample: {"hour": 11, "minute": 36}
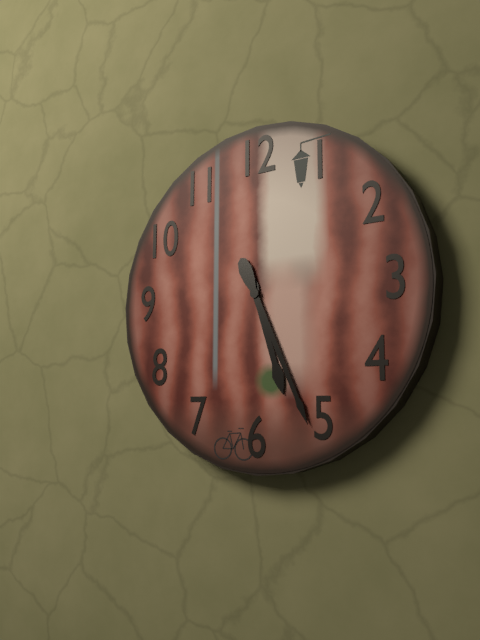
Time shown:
{"hour": 5, "minute": 26}
